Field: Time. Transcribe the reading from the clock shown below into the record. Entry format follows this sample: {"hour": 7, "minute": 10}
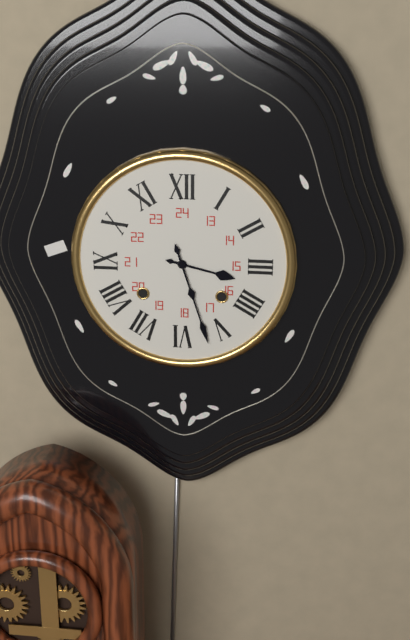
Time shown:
{"hour": 3, "minute": 27}
